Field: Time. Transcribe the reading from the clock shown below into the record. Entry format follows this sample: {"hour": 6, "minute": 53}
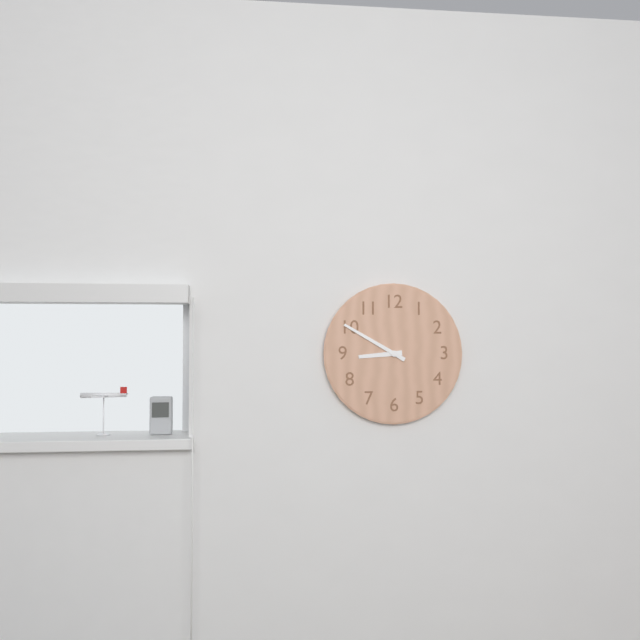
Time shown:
{"hour": 8, "minute": 50}
